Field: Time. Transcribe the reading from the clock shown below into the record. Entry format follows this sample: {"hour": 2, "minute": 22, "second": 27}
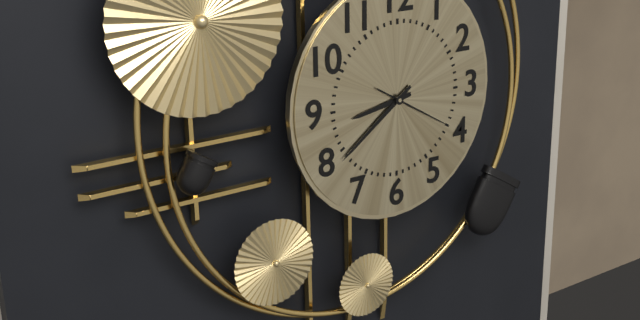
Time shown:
{"hour": 8, "minute": 39, "second": 20}
